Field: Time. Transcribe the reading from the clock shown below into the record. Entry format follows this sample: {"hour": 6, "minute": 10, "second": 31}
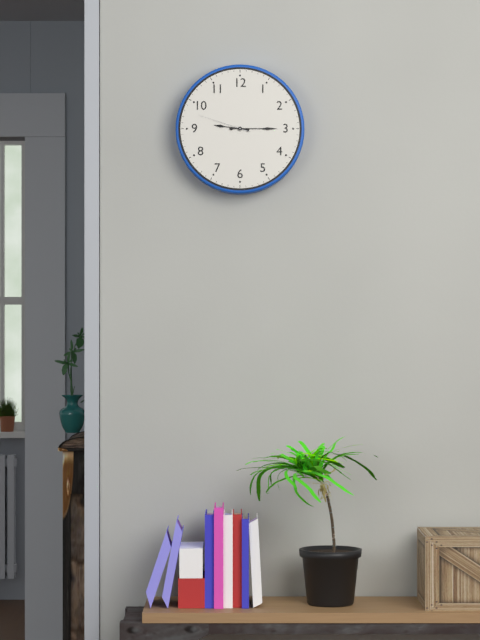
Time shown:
{"hour": 9, "minute": 15, "second": 48}
